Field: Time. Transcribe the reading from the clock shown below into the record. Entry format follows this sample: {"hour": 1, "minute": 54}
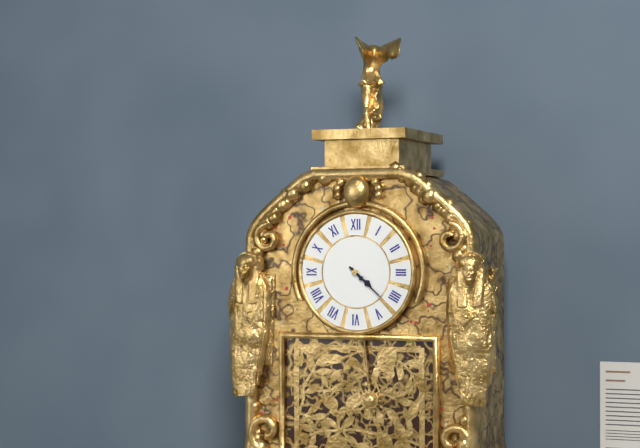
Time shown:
{"hour": 4, "minute": 22}
